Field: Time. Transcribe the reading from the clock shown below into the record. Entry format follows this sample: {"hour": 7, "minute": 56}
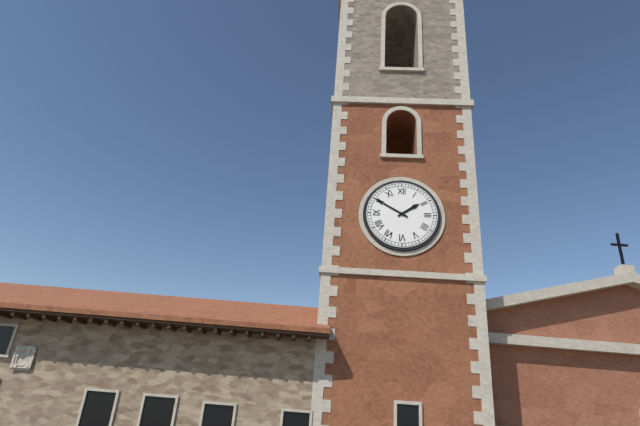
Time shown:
{"hour": 1, "minute": 50}
